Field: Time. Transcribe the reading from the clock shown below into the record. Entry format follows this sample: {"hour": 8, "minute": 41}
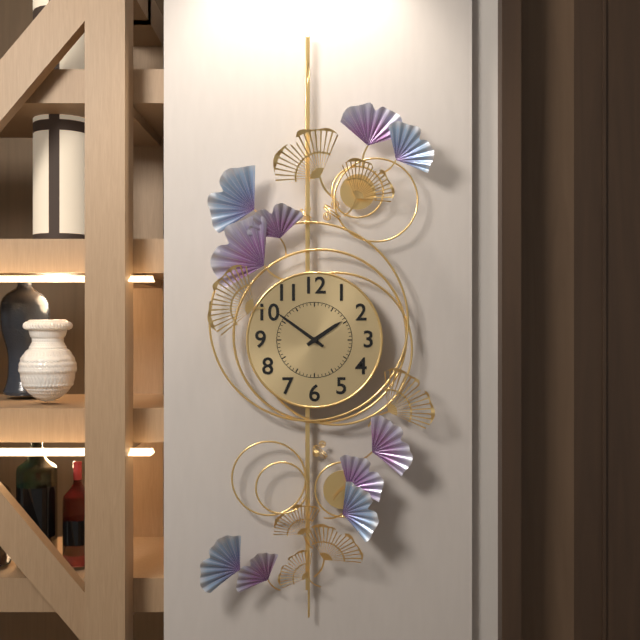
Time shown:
{"hour": 1, "minute": 51}
